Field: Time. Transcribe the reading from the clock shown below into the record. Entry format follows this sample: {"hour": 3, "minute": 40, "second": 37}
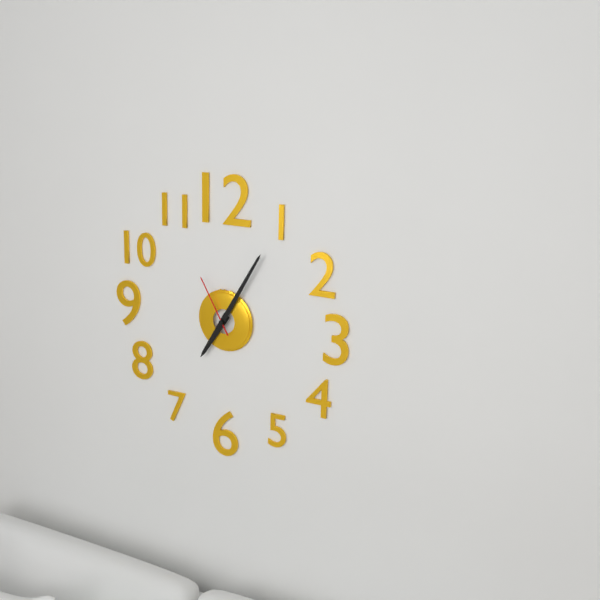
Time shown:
{"hour": 7, "minute": 5, "second": 55}
